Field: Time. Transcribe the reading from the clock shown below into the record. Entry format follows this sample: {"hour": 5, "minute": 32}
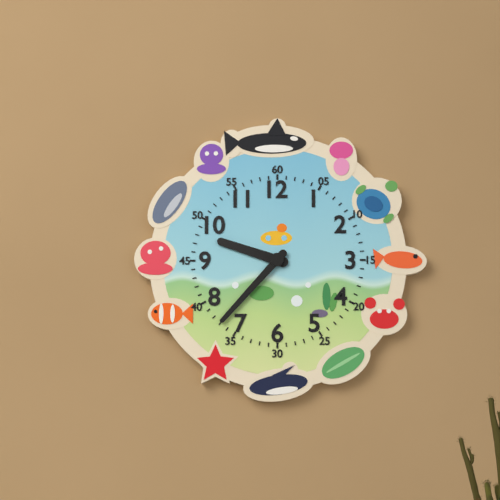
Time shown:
{"hour": 9, "minute": 37}
